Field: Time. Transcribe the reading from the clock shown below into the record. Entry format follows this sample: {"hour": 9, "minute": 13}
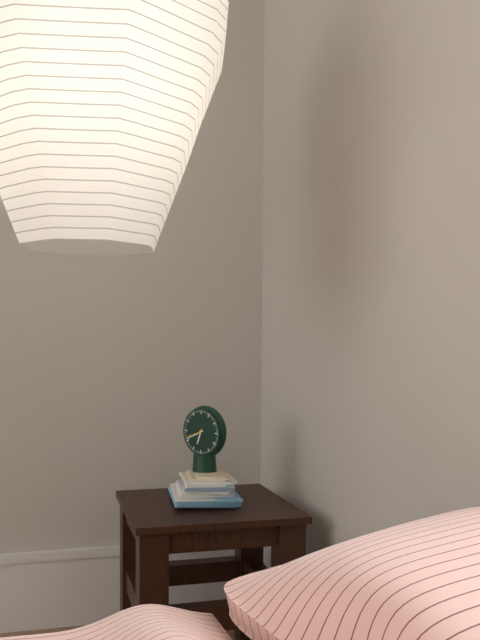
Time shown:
{"hour": 6, "minute": 41}
